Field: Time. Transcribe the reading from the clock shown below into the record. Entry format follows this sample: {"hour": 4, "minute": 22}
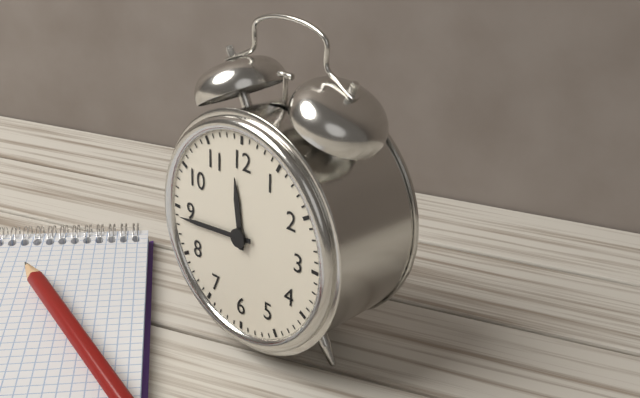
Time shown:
{"hour": 11, "minute": 44}
